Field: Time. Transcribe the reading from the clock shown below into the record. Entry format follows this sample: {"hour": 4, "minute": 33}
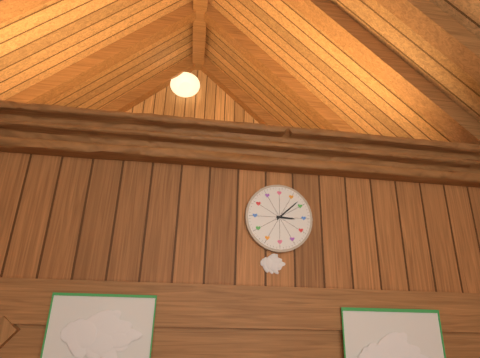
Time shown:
{"hour": 3, "minute": 8}
